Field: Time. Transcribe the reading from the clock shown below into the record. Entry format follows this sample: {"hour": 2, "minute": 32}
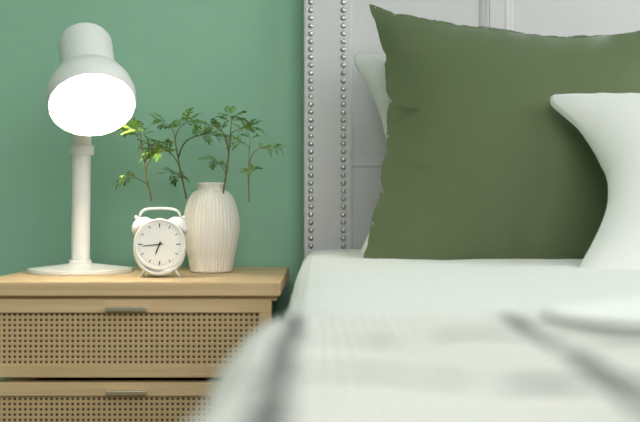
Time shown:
{"hour": 6, "minute": 44}
